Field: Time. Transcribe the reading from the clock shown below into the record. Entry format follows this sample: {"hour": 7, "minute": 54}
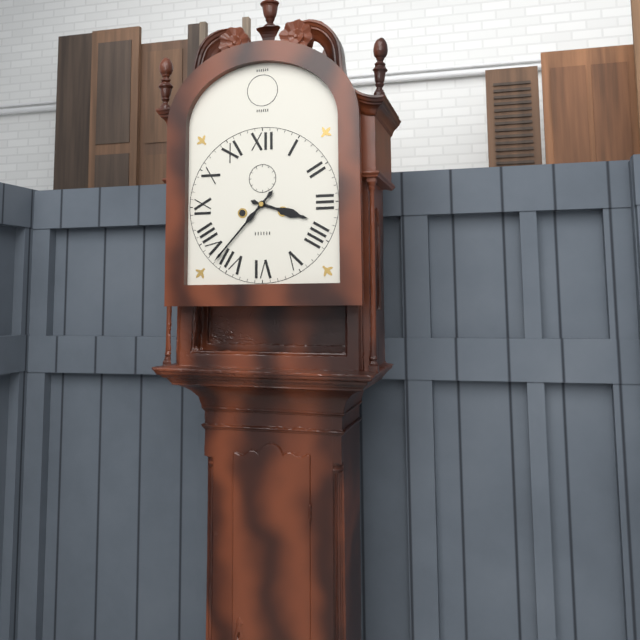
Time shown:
{"hour": 3, "minute": 37}
